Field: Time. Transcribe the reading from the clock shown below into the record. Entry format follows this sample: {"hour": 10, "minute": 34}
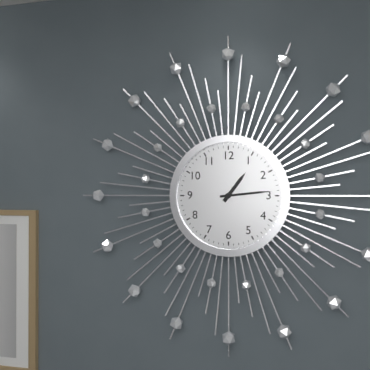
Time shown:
{"hour": 1, "minute": 14}
